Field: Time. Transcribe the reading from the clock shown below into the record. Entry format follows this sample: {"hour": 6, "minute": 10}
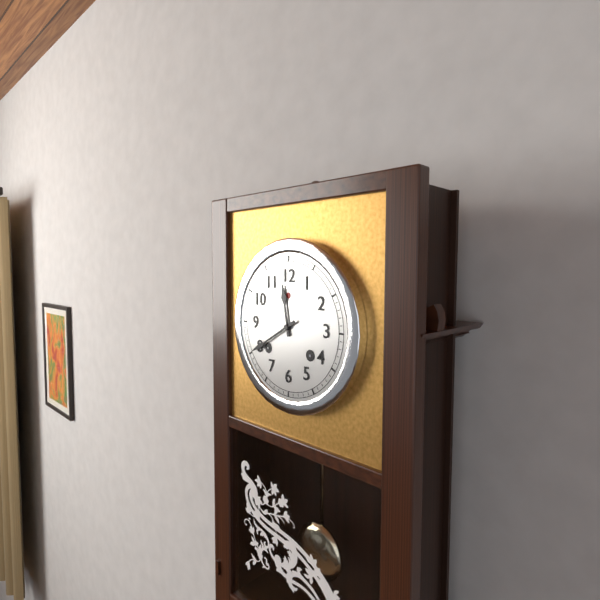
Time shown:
{"hour": 11, "minute": 40}
